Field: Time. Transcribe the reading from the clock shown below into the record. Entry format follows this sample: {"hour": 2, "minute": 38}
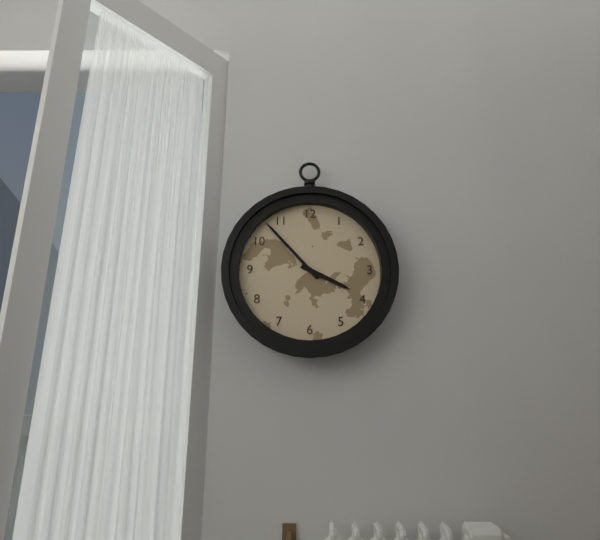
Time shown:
{"hour": 3, "minute": 53}
